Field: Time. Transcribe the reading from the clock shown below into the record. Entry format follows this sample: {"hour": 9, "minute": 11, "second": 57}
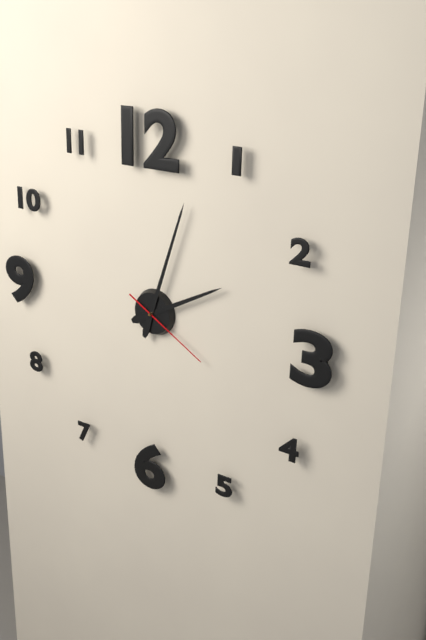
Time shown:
{"hour": 2, "minute": 3, "second": 20}
